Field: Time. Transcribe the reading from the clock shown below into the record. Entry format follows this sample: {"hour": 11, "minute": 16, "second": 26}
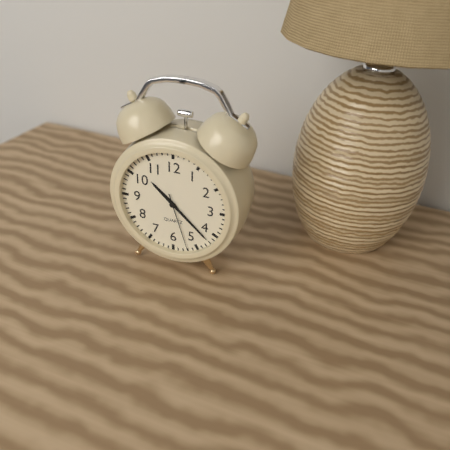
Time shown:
{"hour": 10, "minute": 22, "second": 27}
